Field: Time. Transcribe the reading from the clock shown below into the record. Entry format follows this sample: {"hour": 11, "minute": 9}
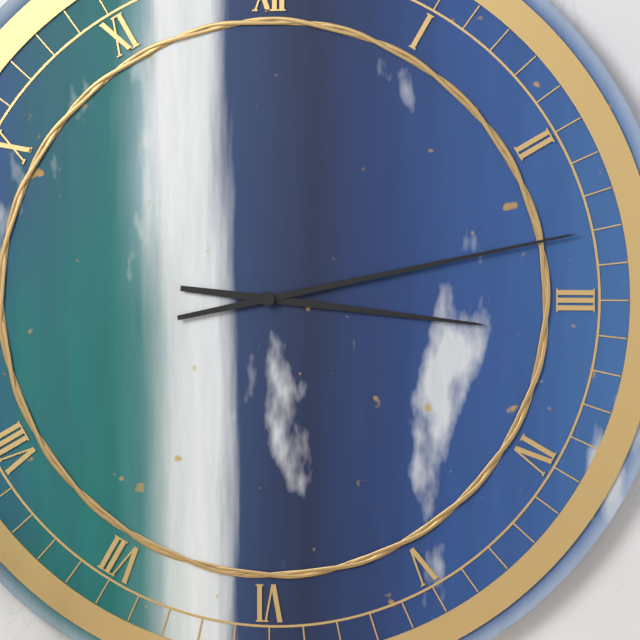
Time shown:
{"hour": 3, "minute": 13}
